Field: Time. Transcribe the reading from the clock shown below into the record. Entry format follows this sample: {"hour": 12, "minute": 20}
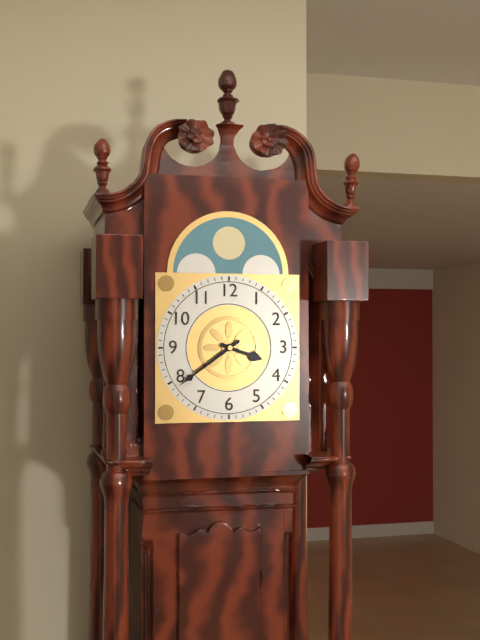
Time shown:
{"hour": 3, "minute": 39}
